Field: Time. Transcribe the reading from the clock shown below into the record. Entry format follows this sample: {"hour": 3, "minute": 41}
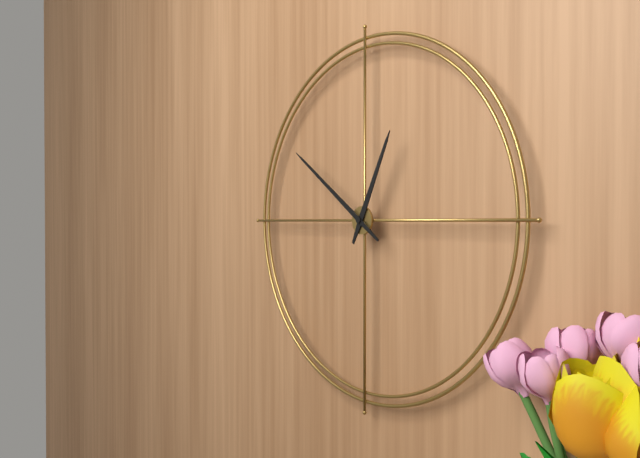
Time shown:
{"hour": 12, "minute": 51}
